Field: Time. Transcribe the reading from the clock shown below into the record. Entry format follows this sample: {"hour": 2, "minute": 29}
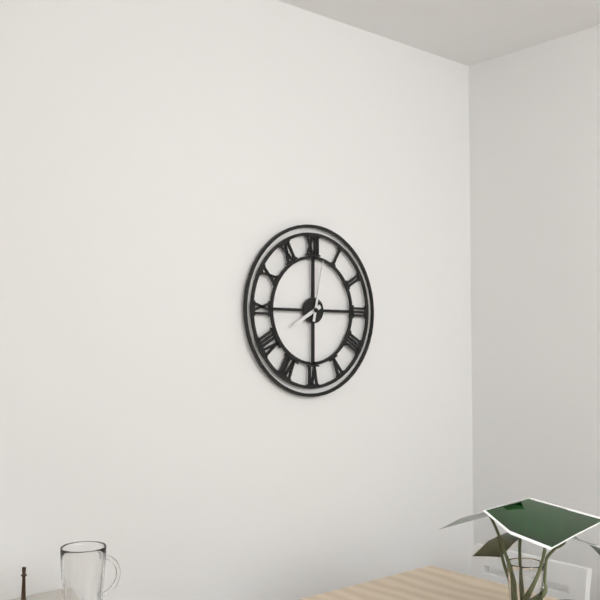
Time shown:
{"hour": 8, "minute": 2}
